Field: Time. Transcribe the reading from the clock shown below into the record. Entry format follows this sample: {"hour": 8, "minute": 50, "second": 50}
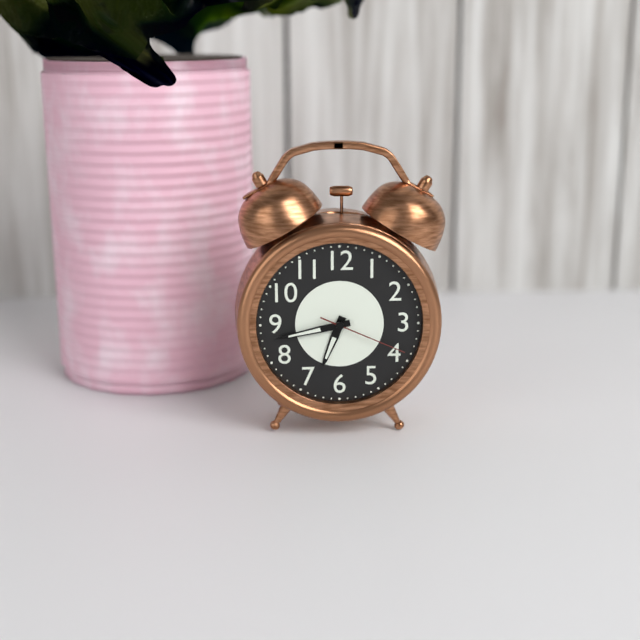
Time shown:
{"hour": 6, "minute": 43, "second": 19}
